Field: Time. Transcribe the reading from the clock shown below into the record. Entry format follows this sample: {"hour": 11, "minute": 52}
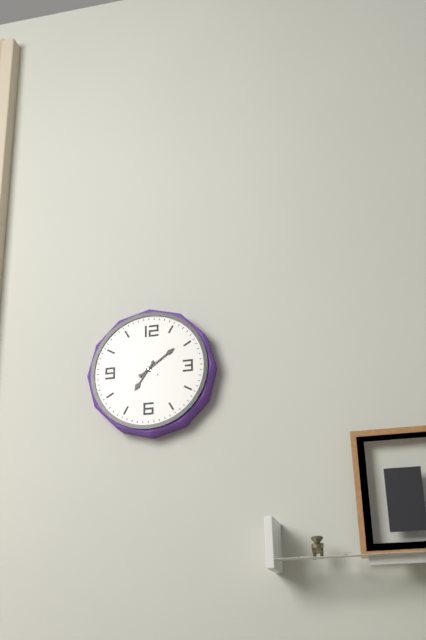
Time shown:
{"hour": 7, "minute": 9}
